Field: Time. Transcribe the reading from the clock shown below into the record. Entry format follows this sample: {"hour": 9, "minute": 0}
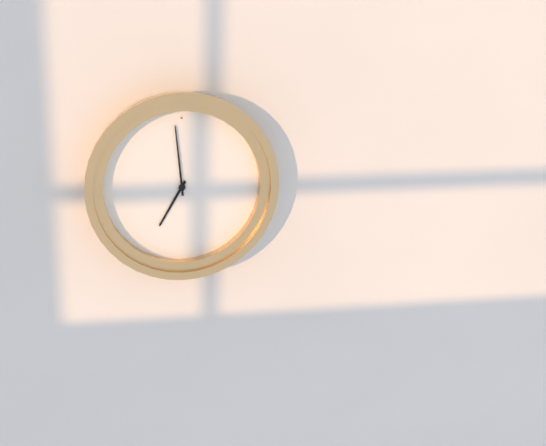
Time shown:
{"hour": 6, "minute": 59}
